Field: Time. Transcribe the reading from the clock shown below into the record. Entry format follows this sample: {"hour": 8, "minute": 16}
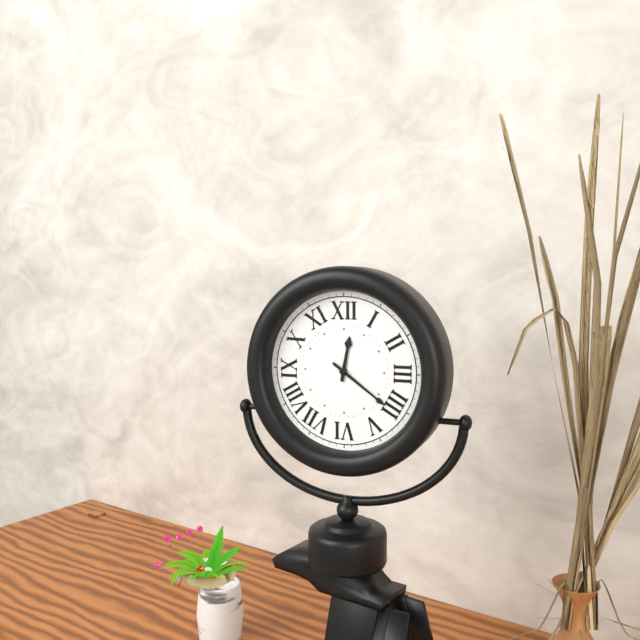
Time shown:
{"hour": 12, "minute": 21}
